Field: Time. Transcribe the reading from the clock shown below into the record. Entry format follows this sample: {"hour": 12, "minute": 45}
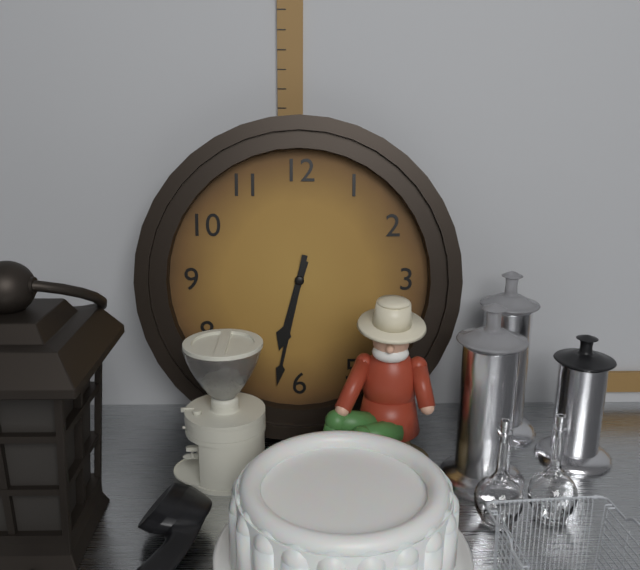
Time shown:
{"hour": 6, "minute": 32}
